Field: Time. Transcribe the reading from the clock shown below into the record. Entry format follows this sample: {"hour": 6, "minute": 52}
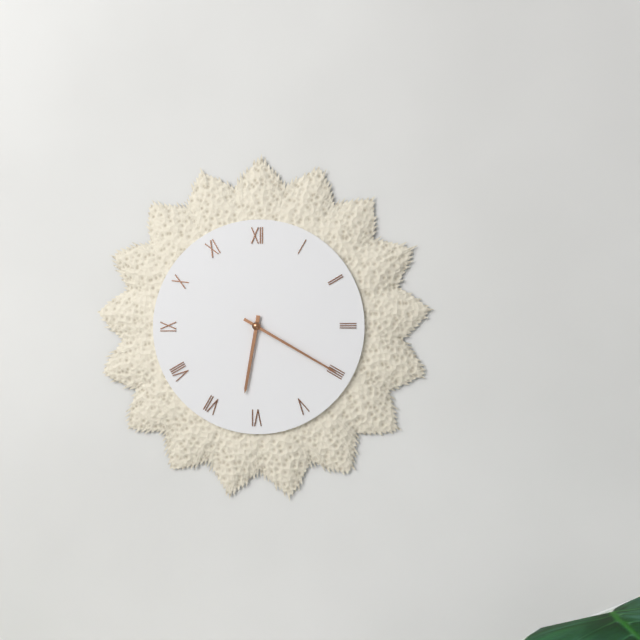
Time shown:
{"hour": 6, "minute": 20}
